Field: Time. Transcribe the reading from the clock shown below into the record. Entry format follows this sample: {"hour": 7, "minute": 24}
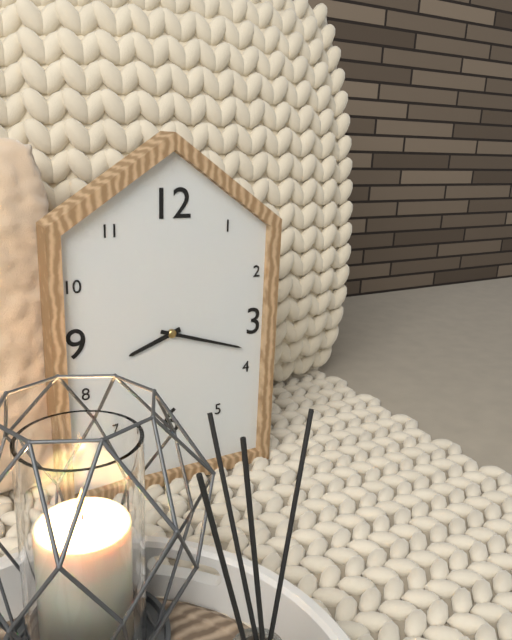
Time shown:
{"hour": 8, "minute": 18}
